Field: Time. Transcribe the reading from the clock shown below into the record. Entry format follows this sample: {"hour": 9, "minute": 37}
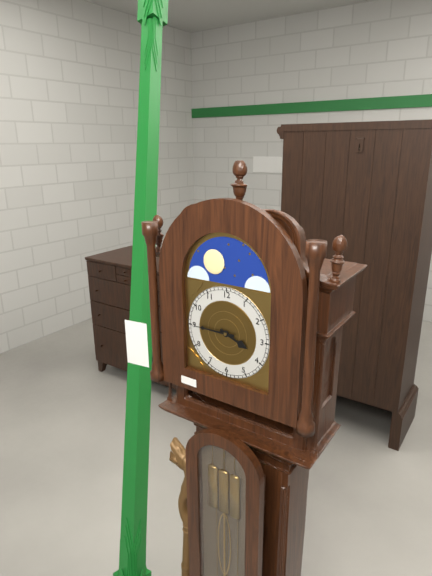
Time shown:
{"hour": 3, "minute": 45}
